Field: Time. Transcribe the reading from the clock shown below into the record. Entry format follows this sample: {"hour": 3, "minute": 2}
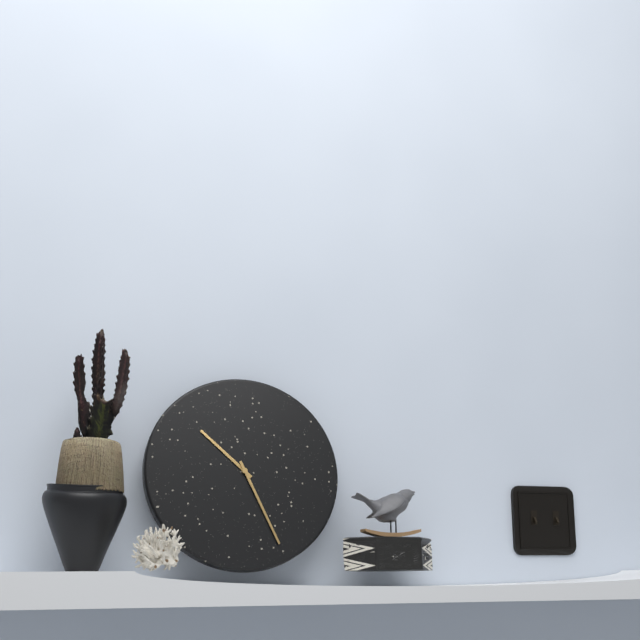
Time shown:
{"hour": 10, "minute": 26}
